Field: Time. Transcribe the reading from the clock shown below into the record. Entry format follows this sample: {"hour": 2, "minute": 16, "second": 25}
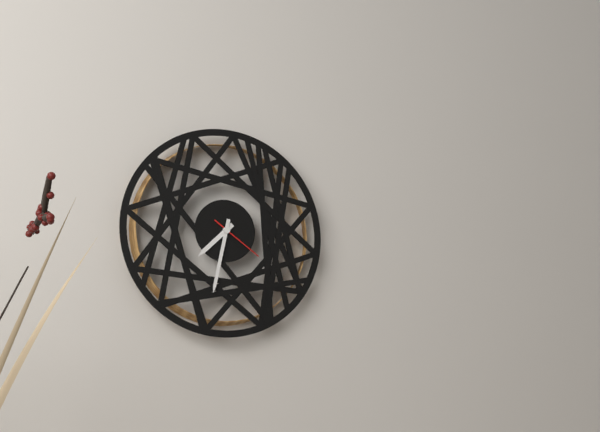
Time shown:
{"hour": 7, "minute": 32, "second": 21}
